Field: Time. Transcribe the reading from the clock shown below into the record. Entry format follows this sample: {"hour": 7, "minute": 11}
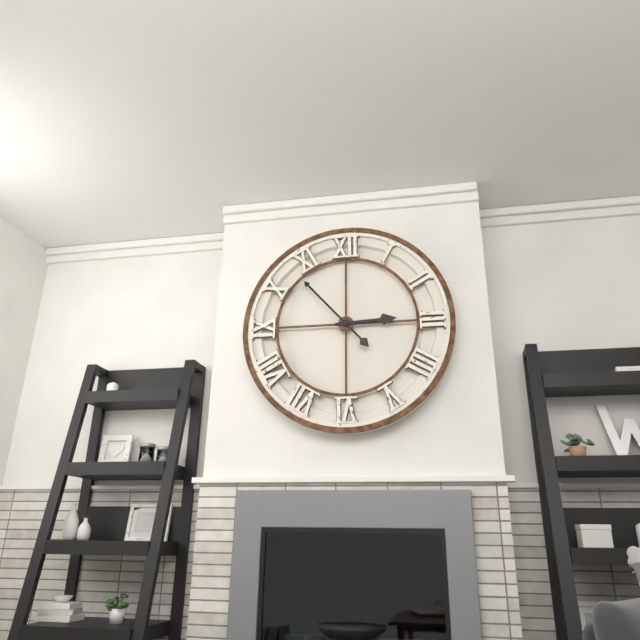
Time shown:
{"hour": 2, "minute": 53}
